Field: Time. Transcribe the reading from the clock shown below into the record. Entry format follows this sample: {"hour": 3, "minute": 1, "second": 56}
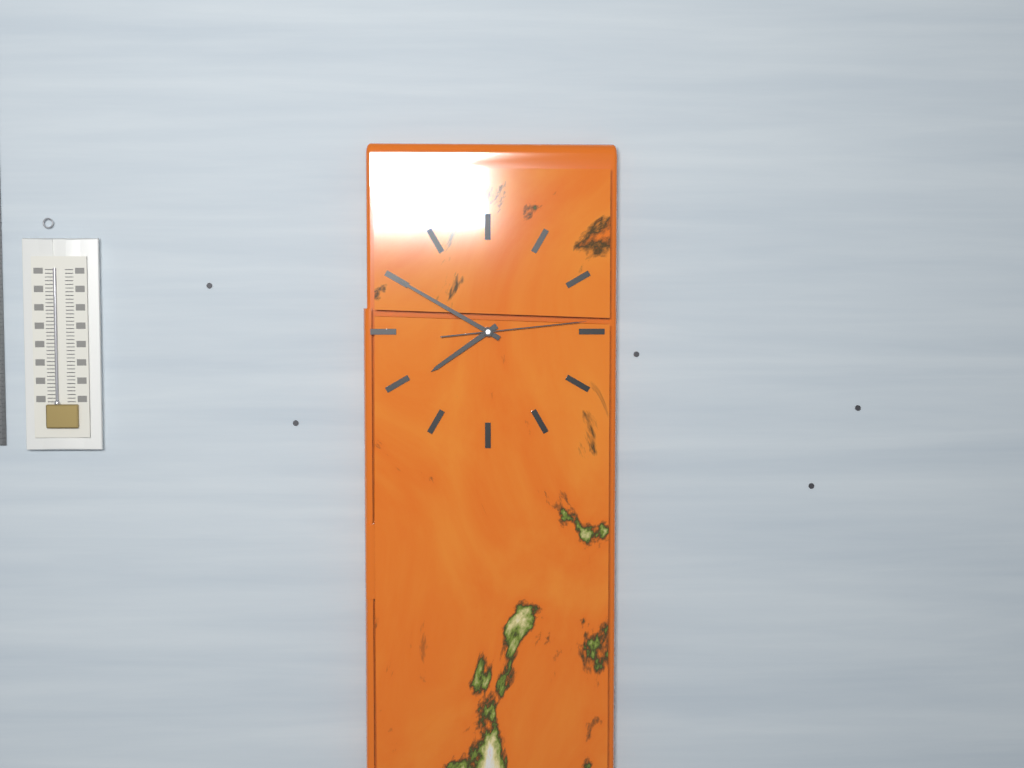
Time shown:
{"hour": 7, "minute": 50, "second": 14}
